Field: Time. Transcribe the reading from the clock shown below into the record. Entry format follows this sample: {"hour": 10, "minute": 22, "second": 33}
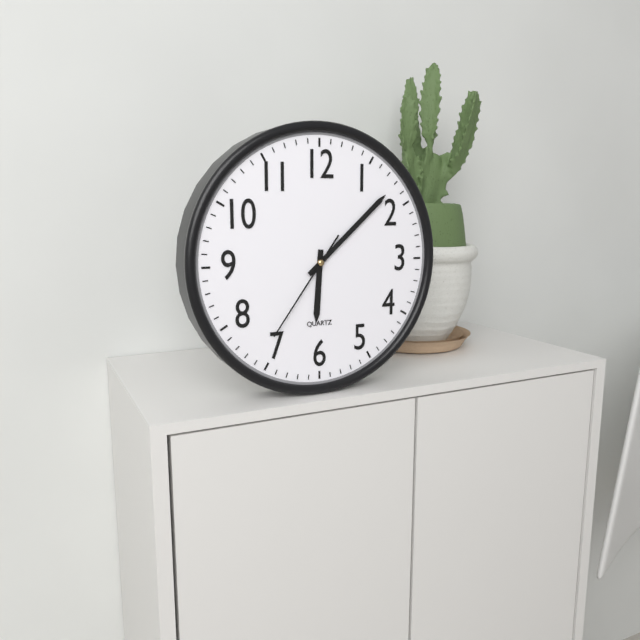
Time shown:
{"hour": 6, "minute": 8, "second": 36}
